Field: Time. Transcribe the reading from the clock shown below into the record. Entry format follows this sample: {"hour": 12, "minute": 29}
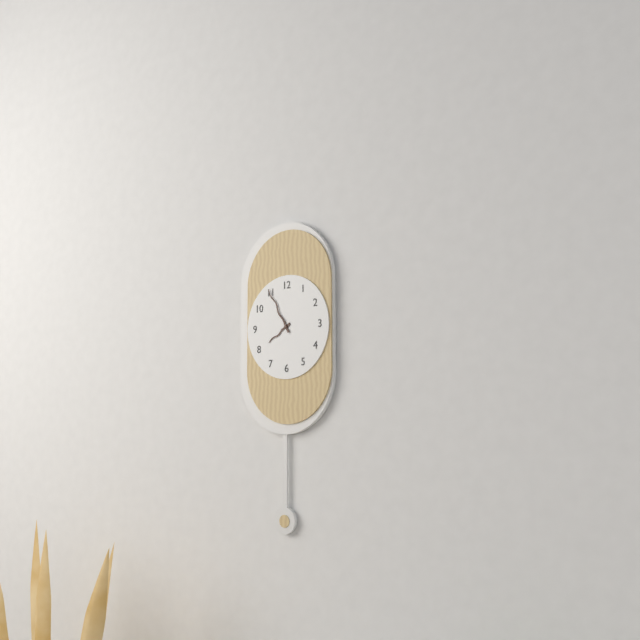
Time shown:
{"hour": 7, "minute": 55}
